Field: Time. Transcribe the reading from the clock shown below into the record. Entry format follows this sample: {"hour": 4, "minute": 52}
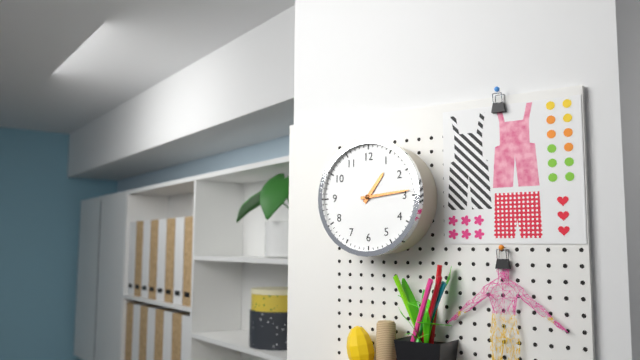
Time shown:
{"hour": 1, "minute": 14}
